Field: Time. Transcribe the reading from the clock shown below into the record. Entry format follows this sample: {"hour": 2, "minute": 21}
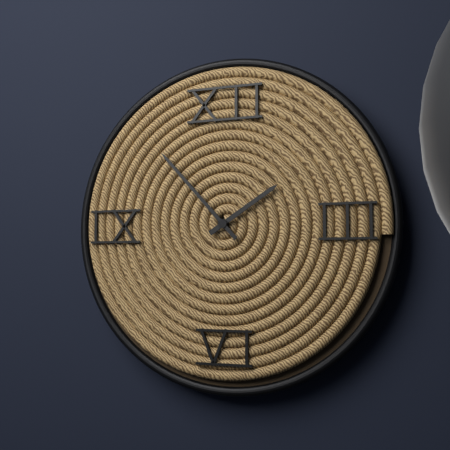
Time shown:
{"hour": 1, "minute": 53}
